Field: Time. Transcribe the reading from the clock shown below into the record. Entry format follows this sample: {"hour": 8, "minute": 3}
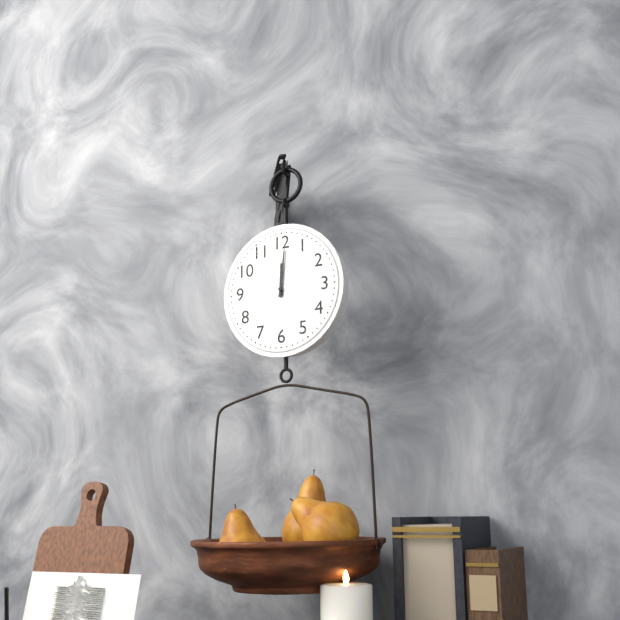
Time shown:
{"hour": 12, "minute": 1}
